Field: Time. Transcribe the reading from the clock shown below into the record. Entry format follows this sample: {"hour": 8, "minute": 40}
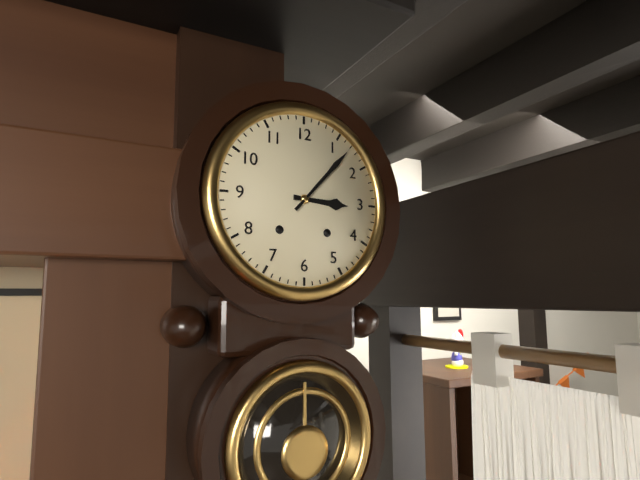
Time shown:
{"hour": 3, "minute": 7}
